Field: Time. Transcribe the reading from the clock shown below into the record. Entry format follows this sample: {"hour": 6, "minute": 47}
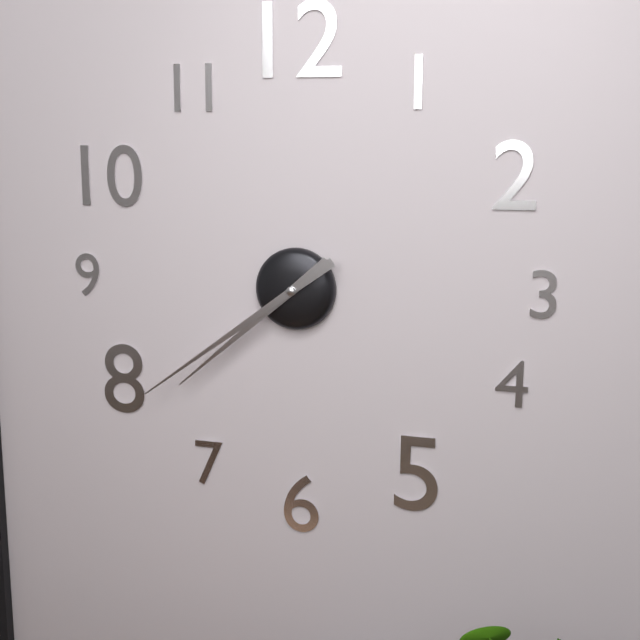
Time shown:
{"hour": 7, "minute": 39}
